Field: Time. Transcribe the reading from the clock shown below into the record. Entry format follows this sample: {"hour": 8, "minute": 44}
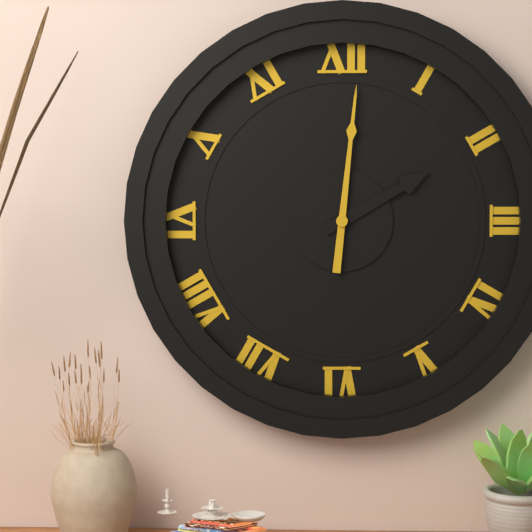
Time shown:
{"hour": 2, "minute": 1}
